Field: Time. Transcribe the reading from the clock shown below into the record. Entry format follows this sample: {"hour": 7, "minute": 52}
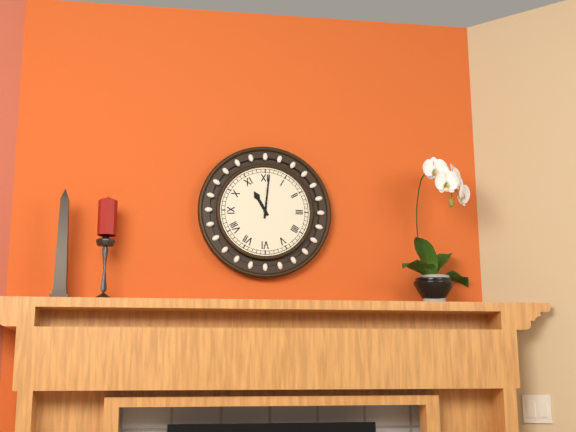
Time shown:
{"hour": 11, "minute": 1}
